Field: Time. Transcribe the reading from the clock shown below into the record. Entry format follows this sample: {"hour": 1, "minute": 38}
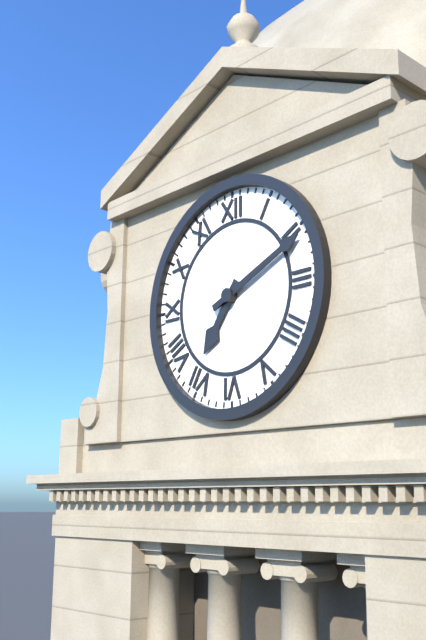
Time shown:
{"hour": 7, "minute": 11}
